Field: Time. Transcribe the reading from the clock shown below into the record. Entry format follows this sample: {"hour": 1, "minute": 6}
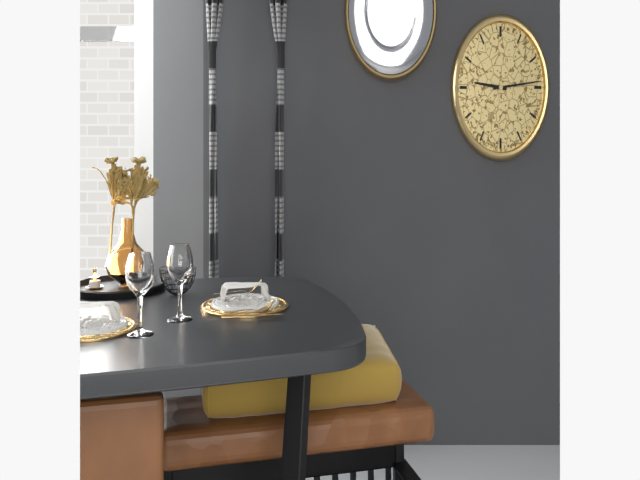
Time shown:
{"hour": 9, "minute": 14}
